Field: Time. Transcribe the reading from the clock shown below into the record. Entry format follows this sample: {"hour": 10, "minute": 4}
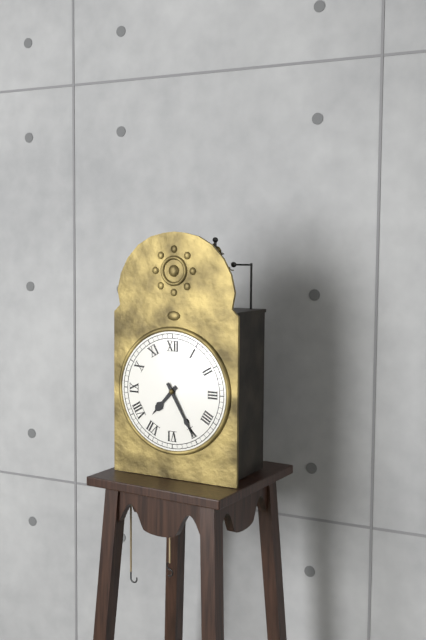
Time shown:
{"hour": 7, "minute": 25}
